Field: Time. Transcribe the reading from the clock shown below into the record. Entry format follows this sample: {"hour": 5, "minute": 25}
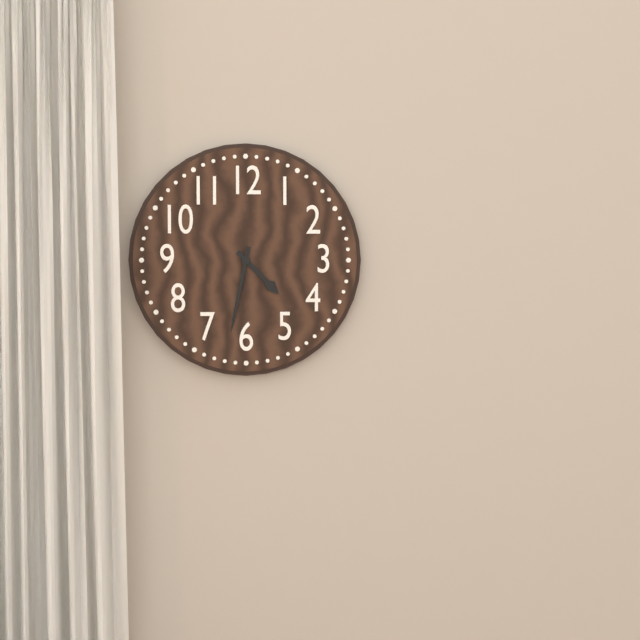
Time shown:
{"hour": 4, "minute": 32}
